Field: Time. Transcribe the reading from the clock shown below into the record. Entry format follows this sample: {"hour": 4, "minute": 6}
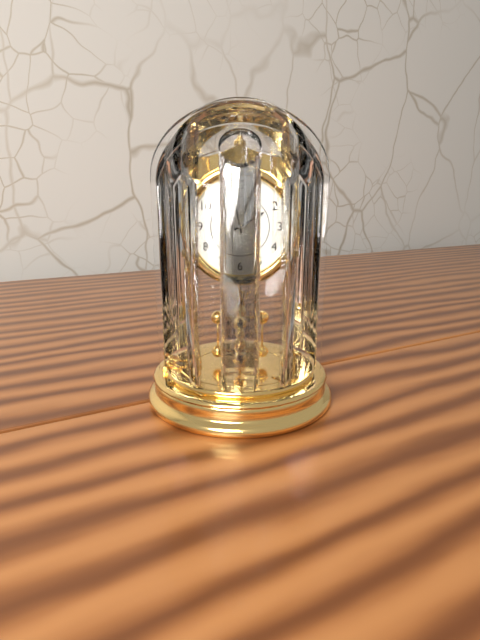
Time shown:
{"hour": 1, "minute": 58}
